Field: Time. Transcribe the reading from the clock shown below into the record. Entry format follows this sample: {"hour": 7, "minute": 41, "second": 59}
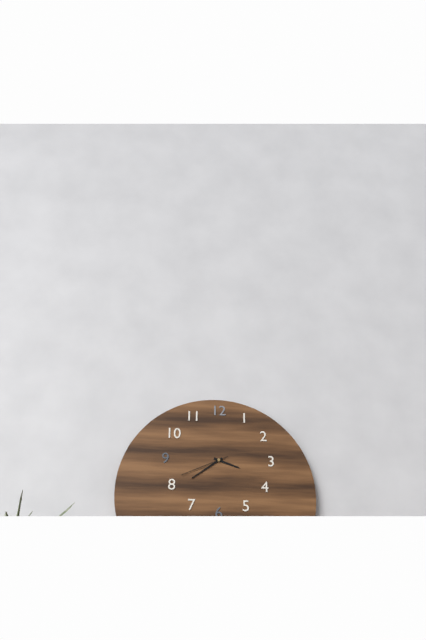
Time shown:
{"hour": 3, "minute": 39, "second": 41}
